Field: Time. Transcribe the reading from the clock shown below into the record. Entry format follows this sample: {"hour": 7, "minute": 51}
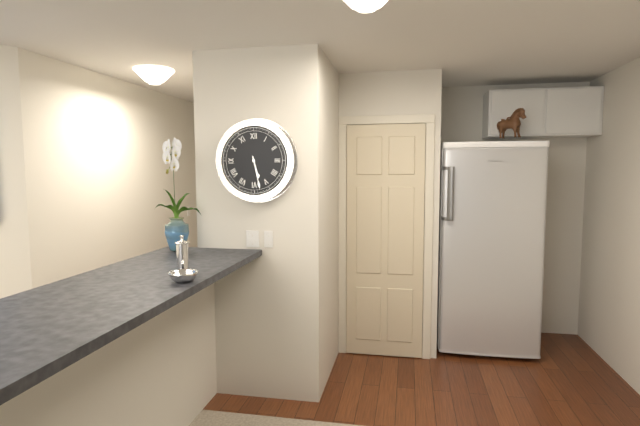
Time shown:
{"hour": 5, "minute": 28}
